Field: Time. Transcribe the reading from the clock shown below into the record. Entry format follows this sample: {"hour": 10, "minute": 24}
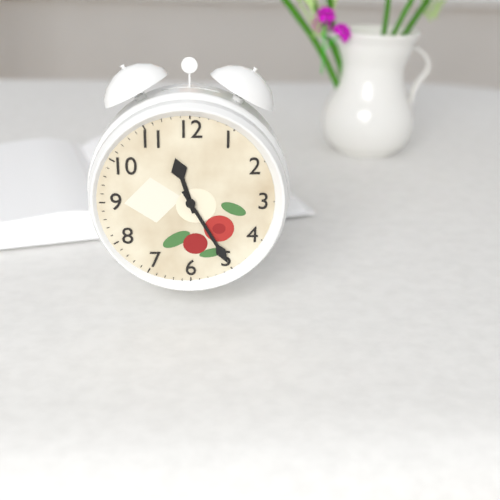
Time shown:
{"hour": 11, "minute": 25}
